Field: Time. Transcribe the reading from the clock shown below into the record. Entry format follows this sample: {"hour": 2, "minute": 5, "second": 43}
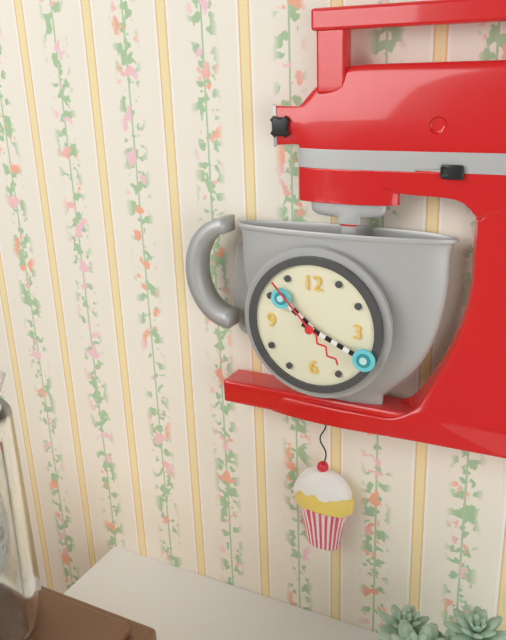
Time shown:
{"hour": 10, "minute": 19, "second": 53}
